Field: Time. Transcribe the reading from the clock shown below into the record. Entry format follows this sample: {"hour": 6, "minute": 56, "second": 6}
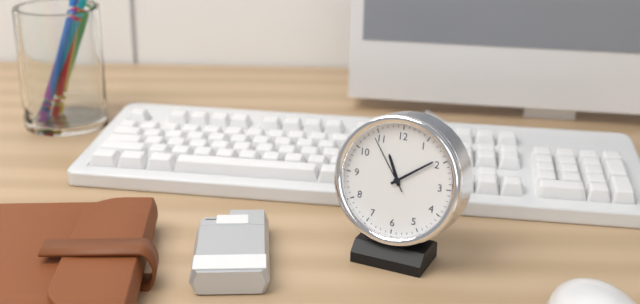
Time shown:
{"hour": 11, "minute": 9, "second": 54}
